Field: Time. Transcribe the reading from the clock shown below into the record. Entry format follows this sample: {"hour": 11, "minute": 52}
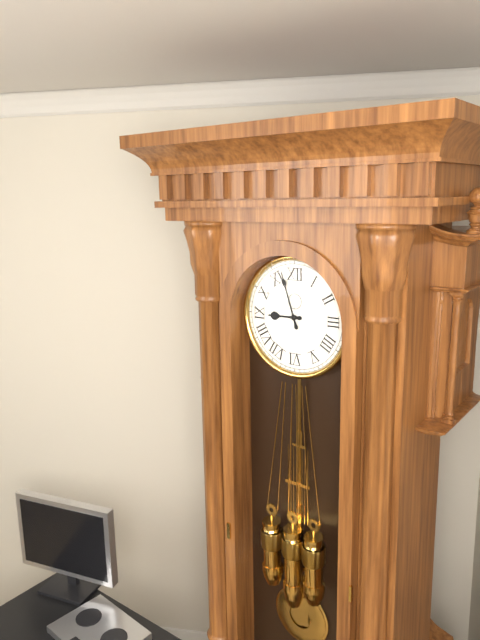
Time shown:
{"hour": 8, "minute": 57}
